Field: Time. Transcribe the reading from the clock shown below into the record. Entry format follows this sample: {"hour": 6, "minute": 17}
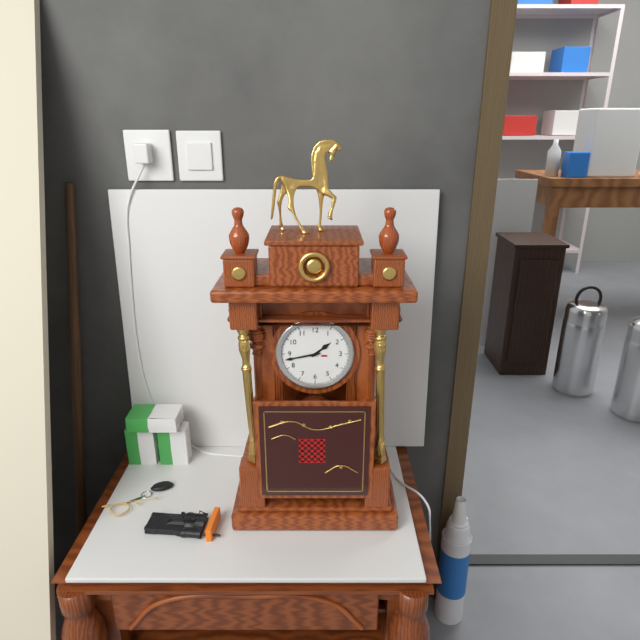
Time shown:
{"hour": 1, "minute": 43}
